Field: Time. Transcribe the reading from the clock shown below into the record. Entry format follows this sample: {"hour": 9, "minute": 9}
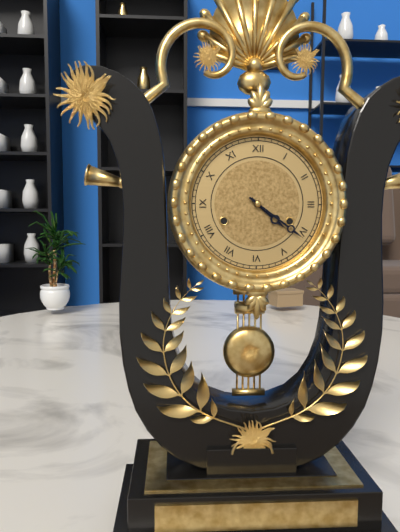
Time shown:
{"hour": 4, "minute": 21}
